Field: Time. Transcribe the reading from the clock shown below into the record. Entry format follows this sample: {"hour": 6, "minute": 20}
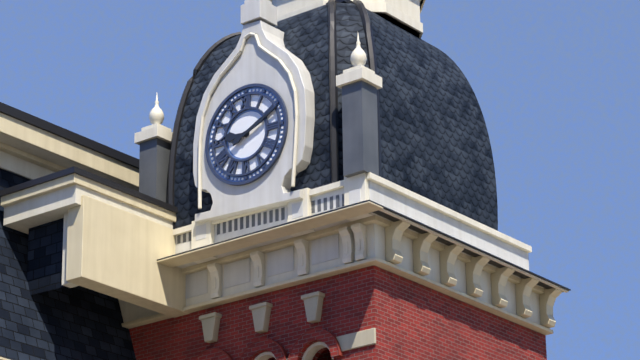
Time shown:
{"hour": 9, "minute": 11}
